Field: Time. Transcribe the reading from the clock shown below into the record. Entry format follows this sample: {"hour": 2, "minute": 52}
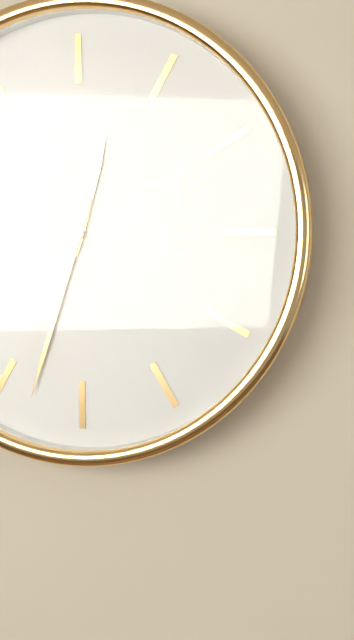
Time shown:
{"hour": 12, "minute": 33}
